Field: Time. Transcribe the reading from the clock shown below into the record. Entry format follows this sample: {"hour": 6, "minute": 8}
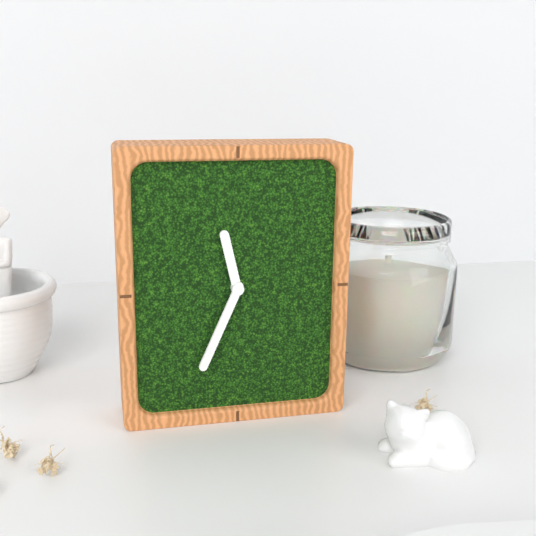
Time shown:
{"hour": 11, "minute": 34}
